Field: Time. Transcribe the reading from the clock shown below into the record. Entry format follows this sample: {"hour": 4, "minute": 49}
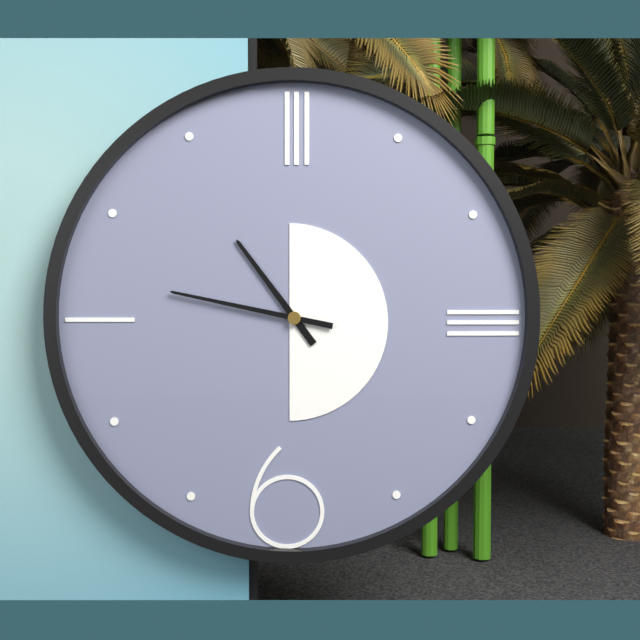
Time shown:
{"hour": 10, "minute": 47}
